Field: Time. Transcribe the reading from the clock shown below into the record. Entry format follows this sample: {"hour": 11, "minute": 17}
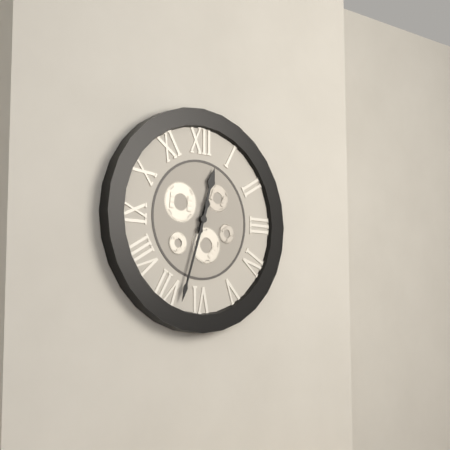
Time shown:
{"hour": 12, "minute": 33}
